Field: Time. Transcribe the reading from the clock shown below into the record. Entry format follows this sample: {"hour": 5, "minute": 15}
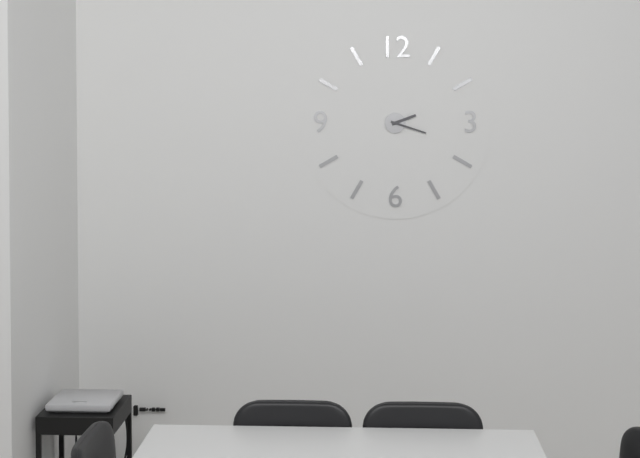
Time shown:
{"hour": 2, "minute": 18}
